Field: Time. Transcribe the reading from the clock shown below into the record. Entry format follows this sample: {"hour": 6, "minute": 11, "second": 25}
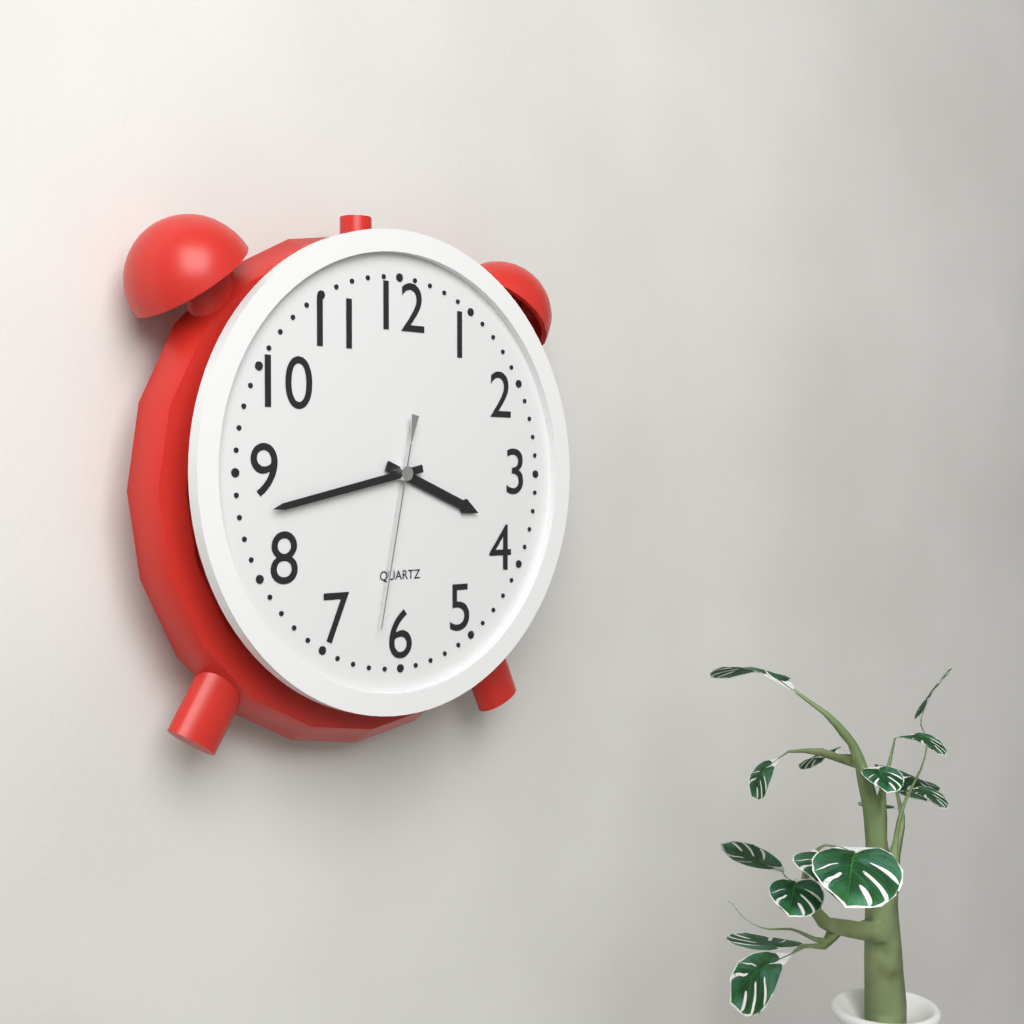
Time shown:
{"hour": 3, "minute": 43, "second": 32}
